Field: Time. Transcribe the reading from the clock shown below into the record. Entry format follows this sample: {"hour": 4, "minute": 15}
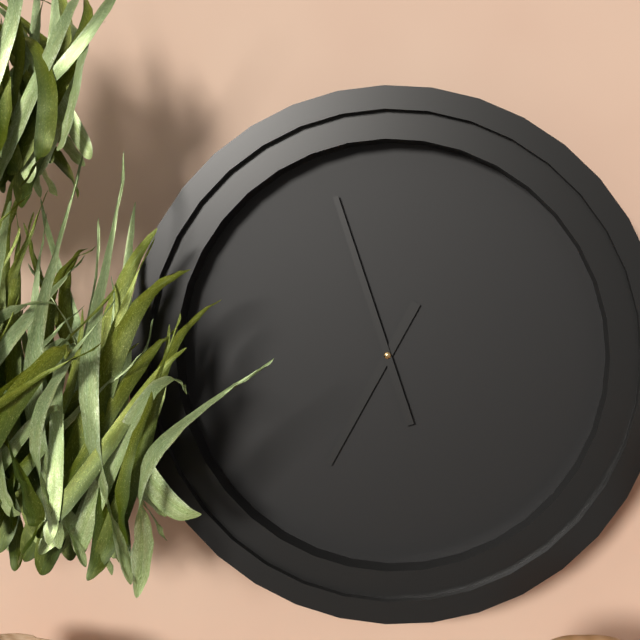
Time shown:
{"hour": 6, "minute": 57}
